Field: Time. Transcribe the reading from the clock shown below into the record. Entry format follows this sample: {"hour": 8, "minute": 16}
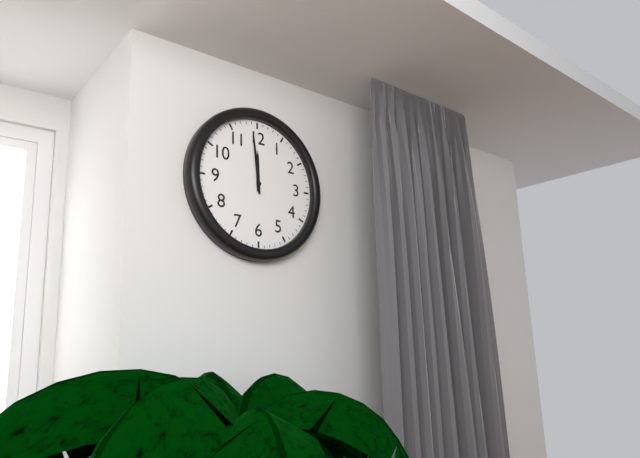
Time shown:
{"hour": 11, "minute": 59}
